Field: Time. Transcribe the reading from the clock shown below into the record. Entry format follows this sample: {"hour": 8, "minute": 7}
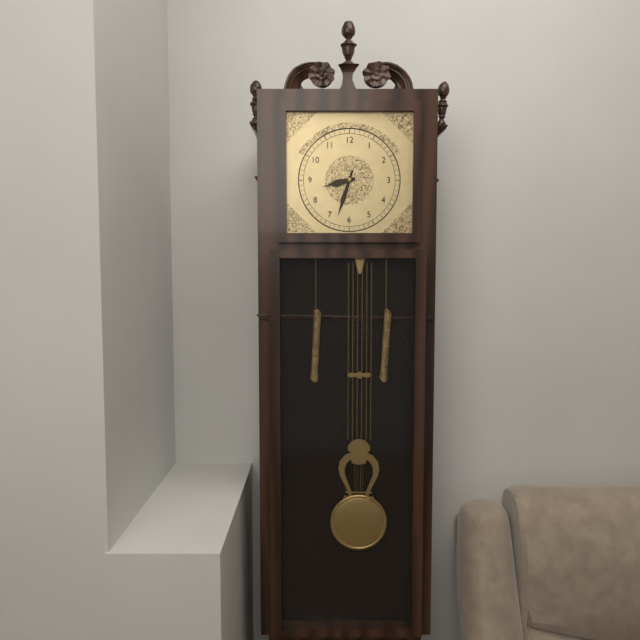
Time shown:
{"hour": 8, "minute": 33}
